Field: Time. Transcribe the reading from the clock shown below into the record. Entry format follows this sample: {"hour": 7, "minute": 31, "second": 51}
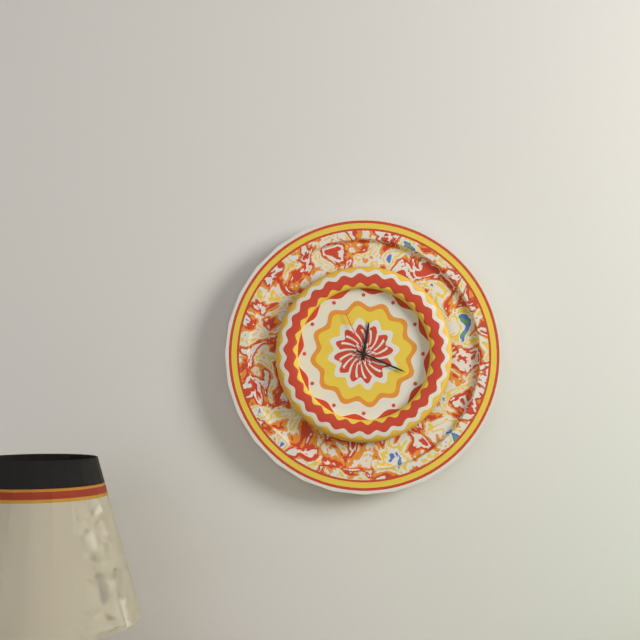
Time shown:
{"hour": 12, "minute": 19, "second": 56}
